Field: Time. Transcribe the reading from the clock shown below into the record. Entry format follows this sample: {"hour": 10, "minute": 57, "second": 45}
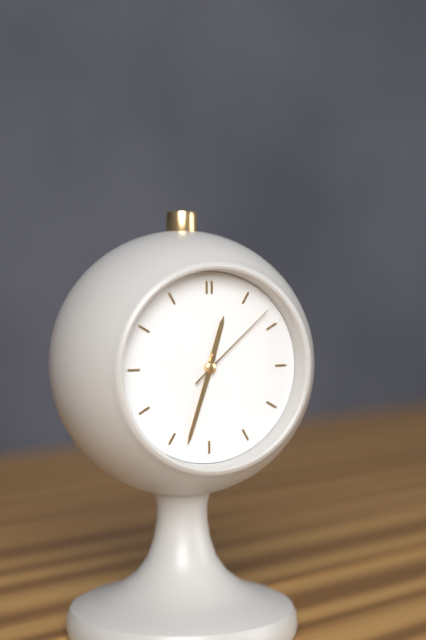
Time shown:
{"hour": 12, "minute": 33, "second": 8}
